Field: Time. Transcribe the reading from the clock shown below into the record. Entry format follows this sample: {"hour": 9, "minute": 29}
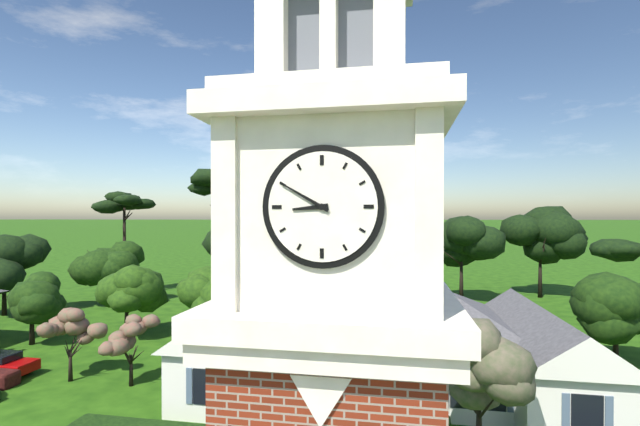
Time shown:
{"hour": 8, "minute": 50}
